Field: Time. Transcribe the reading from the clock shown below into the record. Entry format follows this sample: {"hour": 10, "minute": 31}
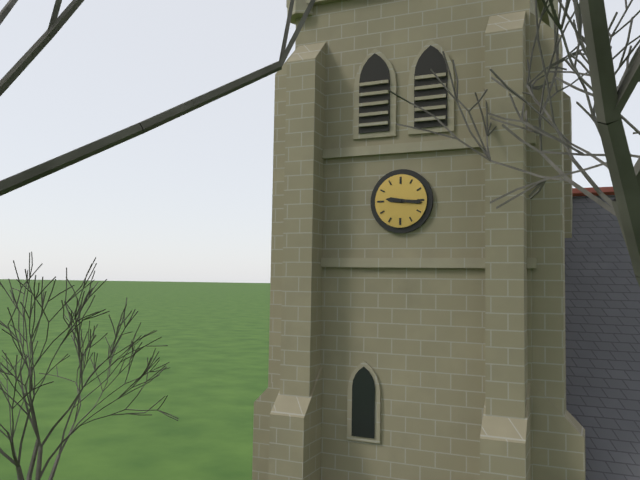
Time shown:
{"hour": 9, "minute": 16}
